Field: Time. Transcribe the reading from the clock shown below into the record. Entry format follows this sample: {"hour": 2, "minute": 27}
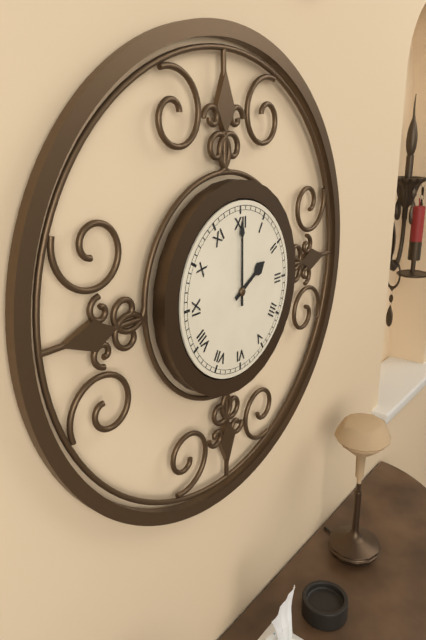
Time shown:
{"hour": 2, "minute": 0}
